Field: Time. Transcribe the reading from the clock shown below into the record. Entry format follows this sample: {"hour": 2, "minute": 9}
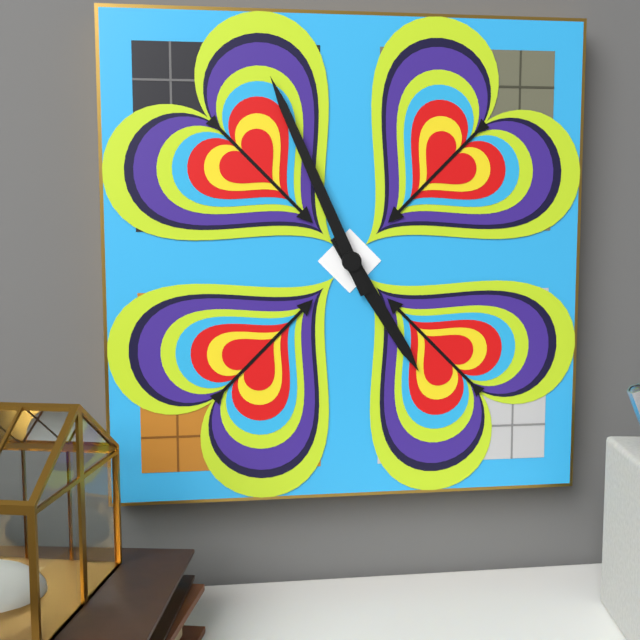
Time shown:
{"hour": 4, "minute": 56}
